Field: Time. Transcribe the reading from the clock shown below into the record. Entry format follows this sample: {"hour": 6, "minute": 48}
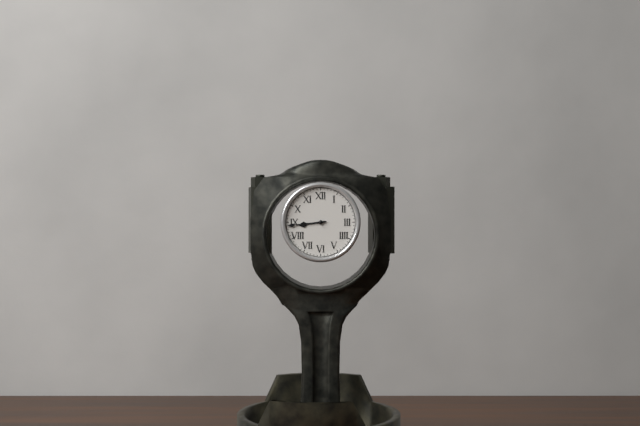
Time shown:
{"hour": 8, "minute": 44}
